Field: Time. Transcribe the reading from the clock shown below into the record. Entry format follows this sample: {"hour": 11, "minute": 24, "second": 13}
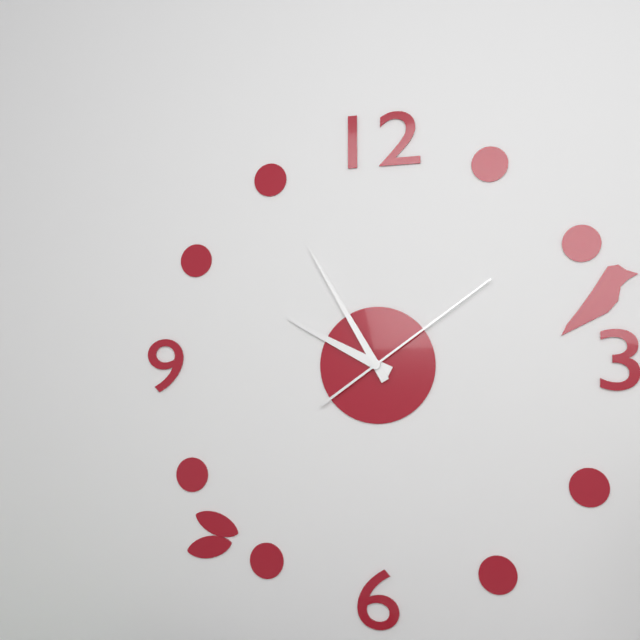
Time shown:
{"hour": 9, "minute": 55, "second": 9}
